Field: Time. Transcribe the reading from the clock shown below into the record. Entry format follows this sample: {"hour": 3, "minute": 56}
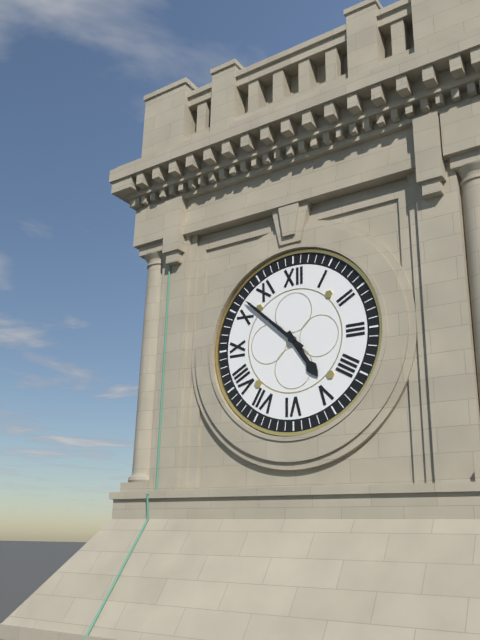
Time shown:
{"hour": 4, "minute": 52}
